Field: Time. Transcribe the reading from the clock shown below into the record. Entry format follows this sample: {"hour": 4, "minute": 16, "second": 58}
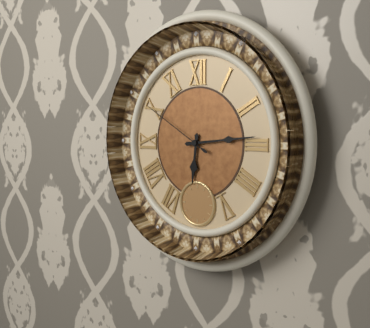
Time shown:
{"hour": 6, "minute": 14, "second": 50}
